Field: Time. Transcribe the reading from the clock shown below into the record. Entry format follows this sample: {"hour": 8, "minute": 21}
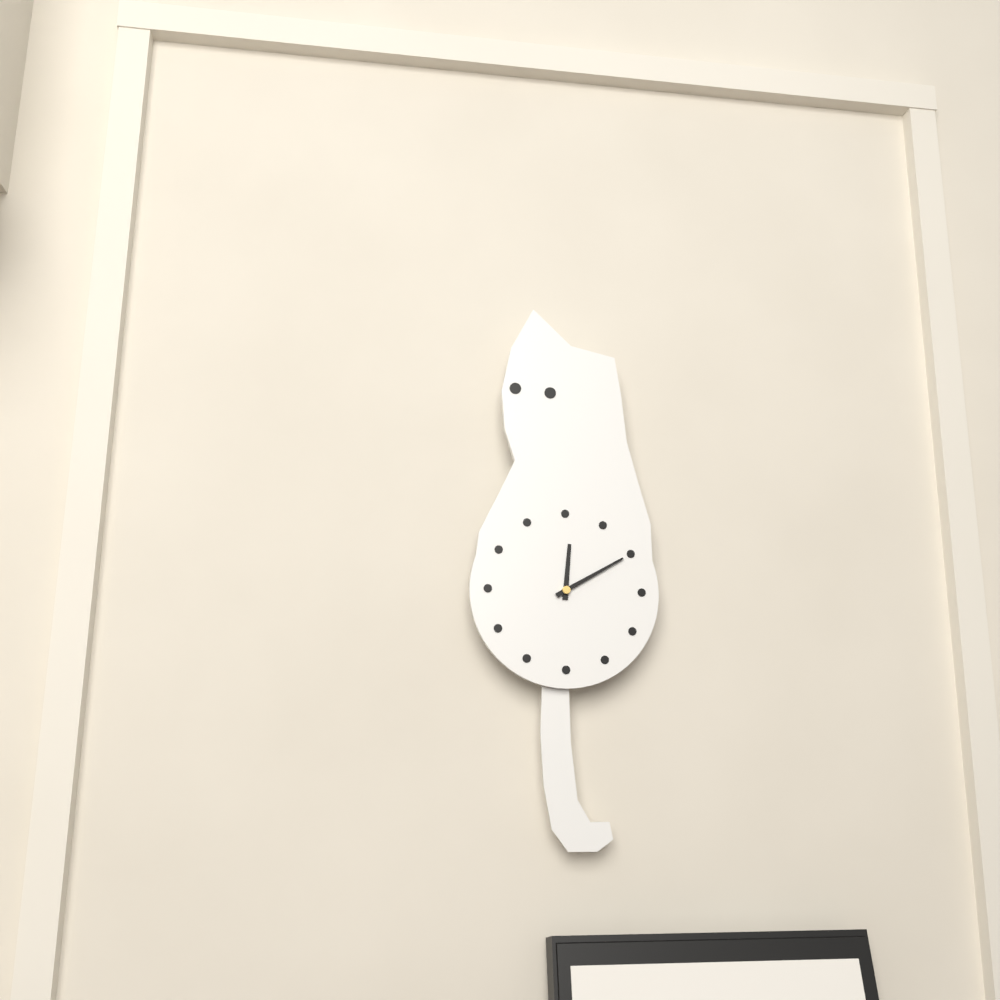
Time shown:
{"hour": 12, "minute": 10}
